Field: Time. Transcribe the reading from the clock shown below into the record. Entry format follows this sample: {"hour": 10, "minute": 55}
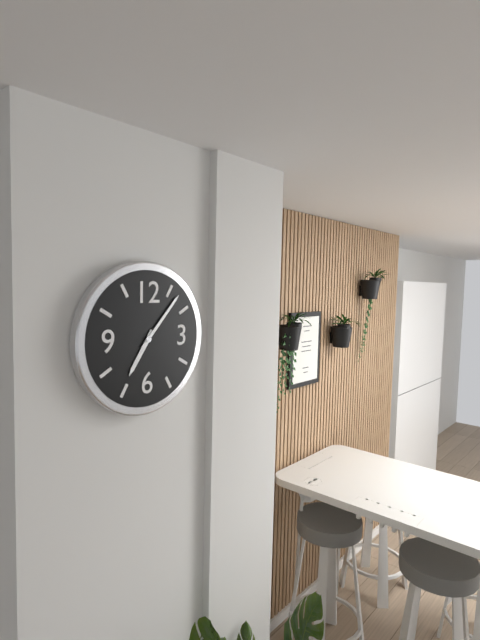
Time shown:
{"hour": 7, "minute": 7}
